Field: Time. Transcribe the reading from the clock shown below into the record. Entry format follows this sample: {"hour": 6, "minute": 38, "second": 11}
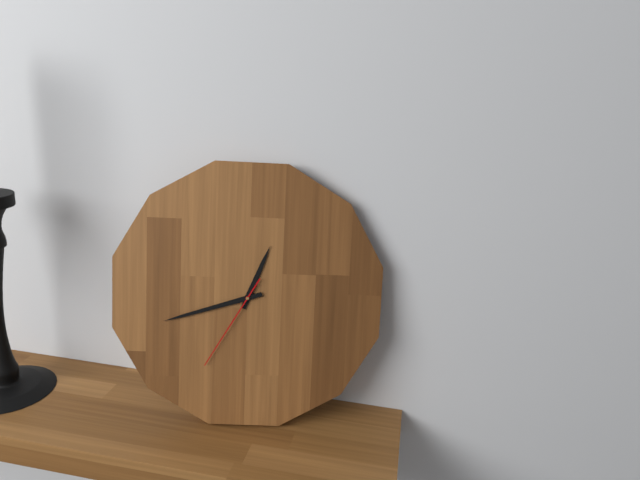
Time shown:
{"hour": 12, "minute": 42, "second": 35}
